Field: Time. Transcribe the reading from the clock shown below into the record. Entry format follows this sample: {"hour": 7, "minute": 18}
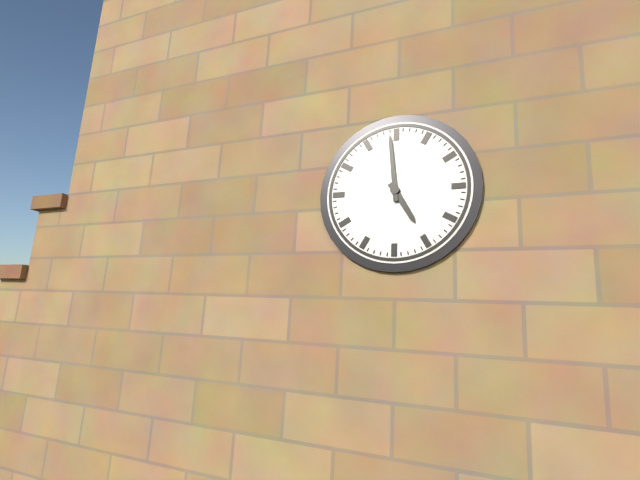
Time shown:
{"hour": 4, "minute": 59}
